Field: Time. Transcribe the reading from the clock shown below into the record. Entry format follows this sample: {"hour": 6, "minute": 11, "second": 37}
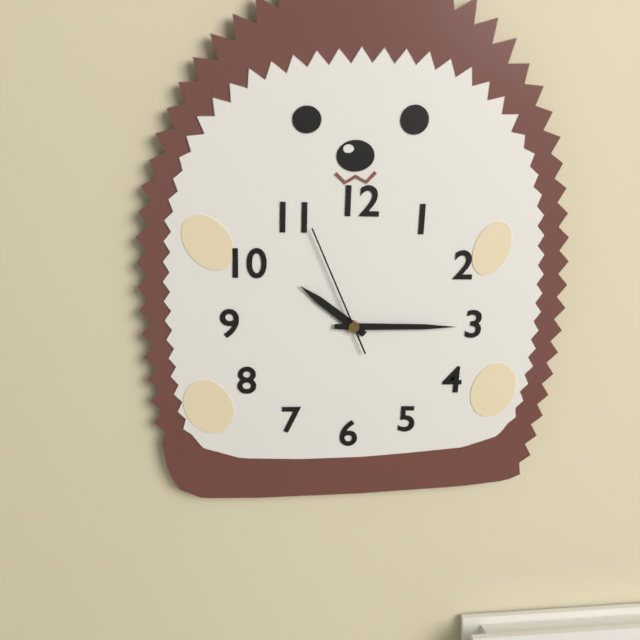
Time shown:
{"hour": 10, "minute": 15, "second": 56}
